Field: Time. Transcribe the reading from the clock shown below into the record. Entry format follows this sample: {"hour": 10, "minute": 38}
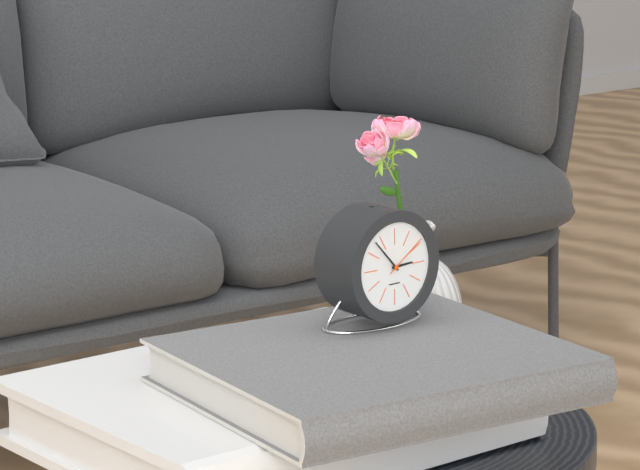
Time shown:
{"hour": 2, "minute": 53}
